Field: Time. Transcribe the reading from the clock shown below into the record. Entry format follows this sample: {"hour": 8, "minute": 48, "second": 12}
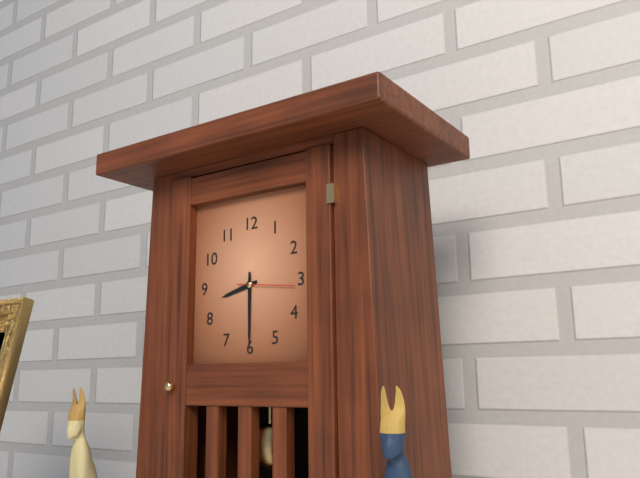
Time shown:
{"hour": 8, "minute": 30, "second": 16}
